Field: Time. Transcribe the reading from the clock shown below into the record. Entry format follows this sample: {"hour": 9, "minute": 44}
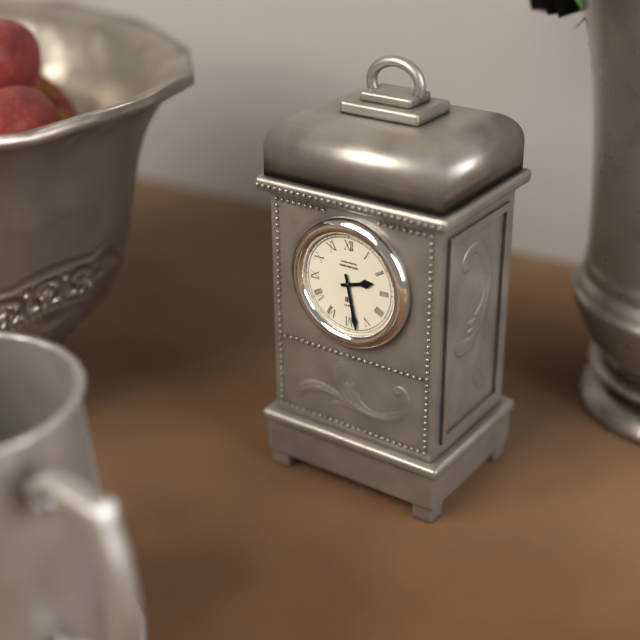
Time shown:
{"hour": 2, "minute": 28}
